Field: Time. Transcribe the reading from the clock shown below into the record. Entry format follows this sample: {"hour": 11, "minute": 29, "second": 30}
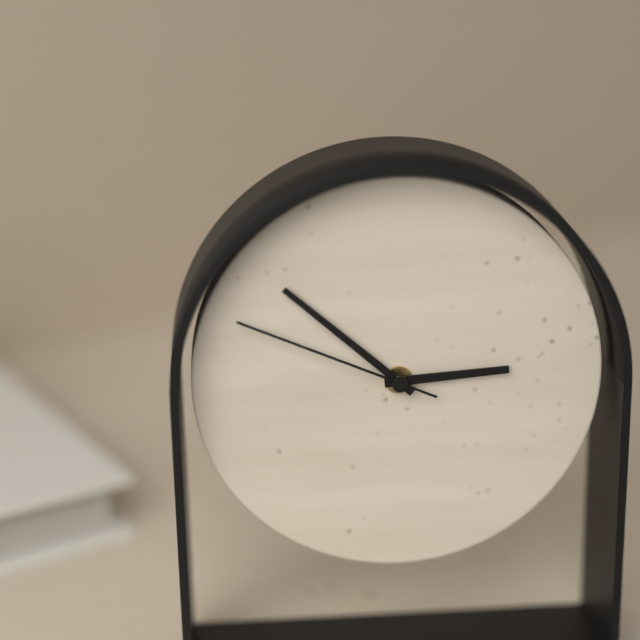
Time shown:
{"hour": 2, "minute": 52, "second": 49}
